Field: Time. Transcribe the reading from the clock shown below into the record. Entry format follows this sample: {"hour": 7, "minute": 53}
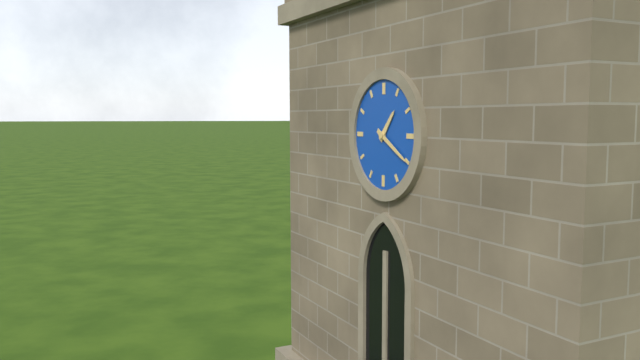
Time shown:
{"hour": 1, "minute": 20}
